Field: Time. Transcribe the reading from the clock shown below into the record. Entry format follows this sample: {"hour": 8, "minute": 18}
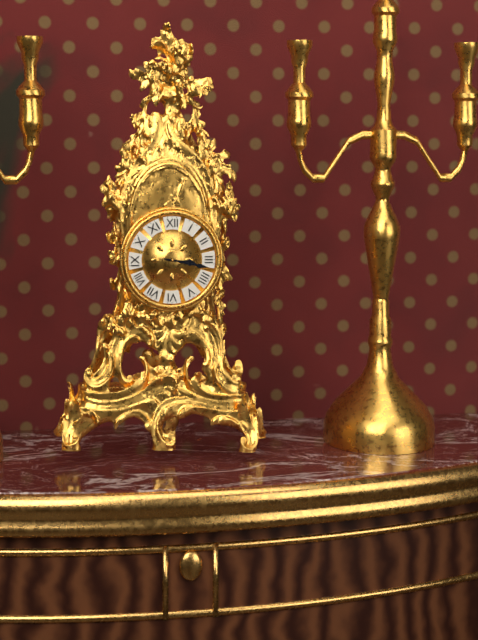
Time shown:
{"hour": 3, "minute": 17}
